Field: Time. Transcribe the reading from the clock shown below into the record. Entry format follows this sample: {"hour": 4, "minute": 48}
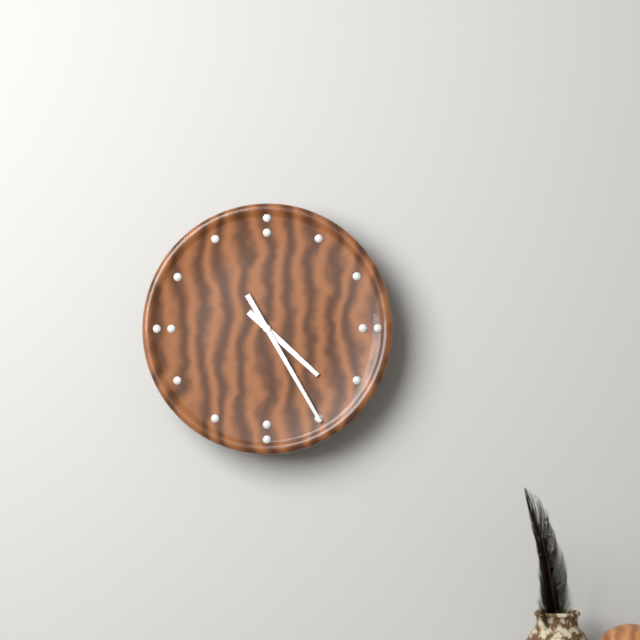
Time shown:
{"hour": 4, "minute": 25}
